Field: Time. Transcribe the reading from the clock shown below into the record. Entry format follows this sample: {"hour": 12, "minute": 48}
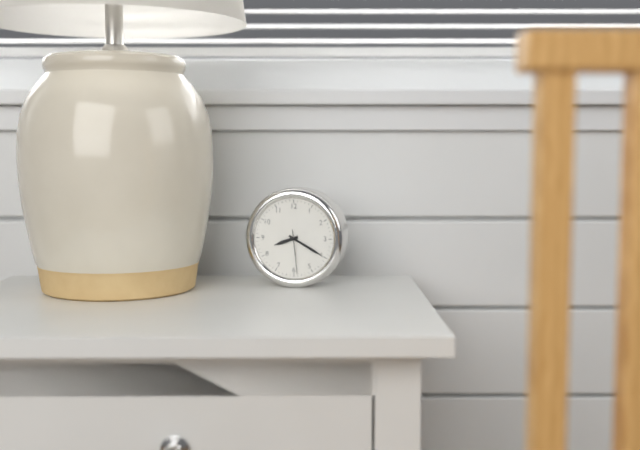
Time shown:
{"hour": 8, "minute": 20}
